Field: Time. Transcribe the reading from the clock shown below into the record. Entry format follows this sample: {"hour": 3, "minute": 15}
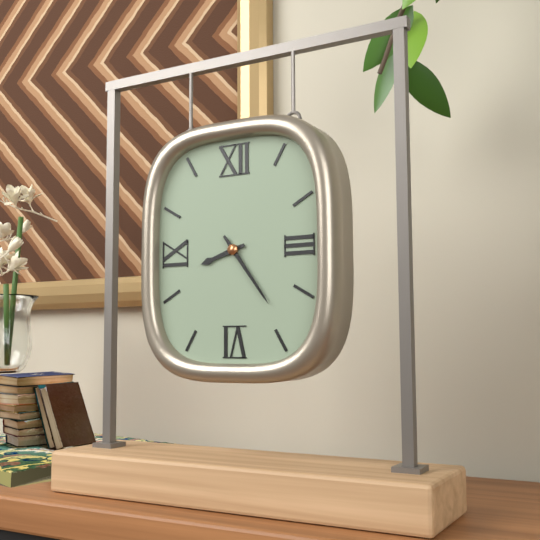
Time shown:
{"hour": 8, "minute": 24}
